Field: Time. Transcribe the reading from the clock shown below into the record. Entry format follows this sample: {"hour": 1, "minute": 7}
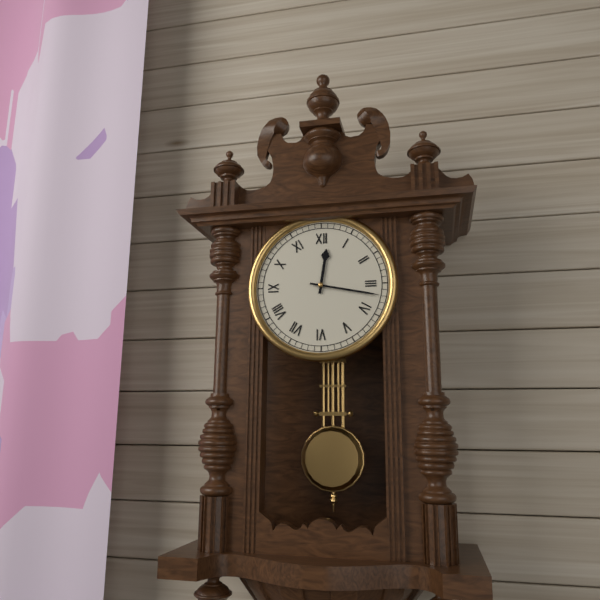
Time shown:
{"hour": 12, "minute": 17}
